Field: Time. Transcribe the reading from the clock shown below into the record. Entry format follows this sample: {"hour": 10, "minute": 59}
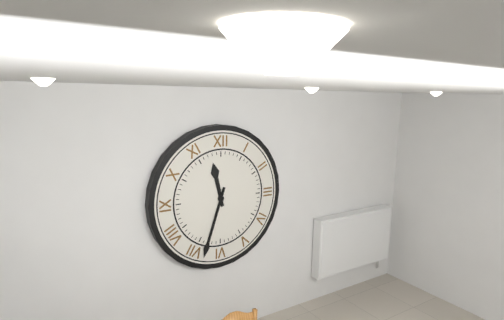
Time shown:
{"hour": 11, "minute": 33}
